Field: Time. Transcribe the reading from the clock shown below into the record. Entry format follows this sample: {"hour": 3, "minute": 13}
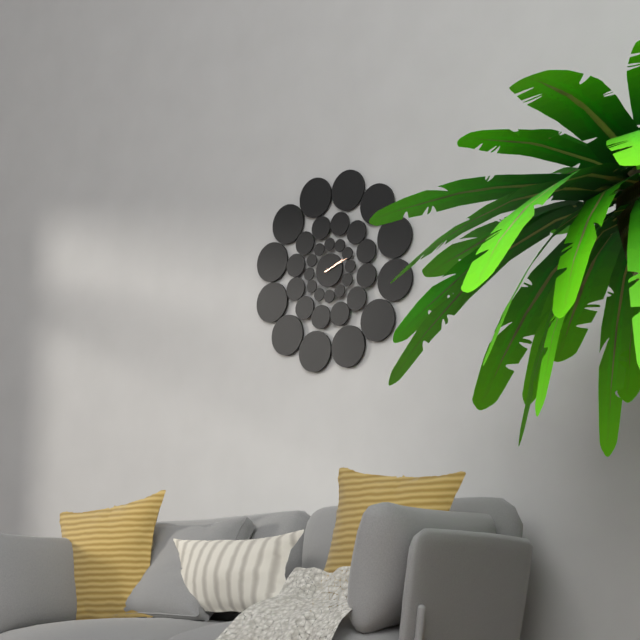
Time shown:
{"hour": 2, "minute": 12}
